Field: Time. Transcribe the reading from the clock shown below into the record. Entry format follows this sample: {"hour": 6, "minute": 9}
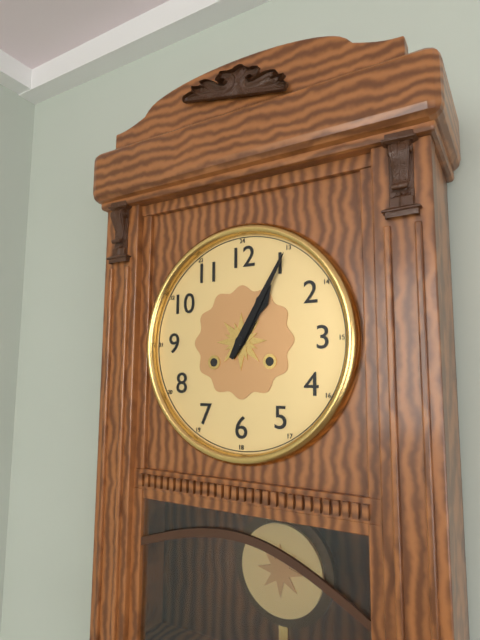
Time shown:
{"hour": 1, "minute": 5}
